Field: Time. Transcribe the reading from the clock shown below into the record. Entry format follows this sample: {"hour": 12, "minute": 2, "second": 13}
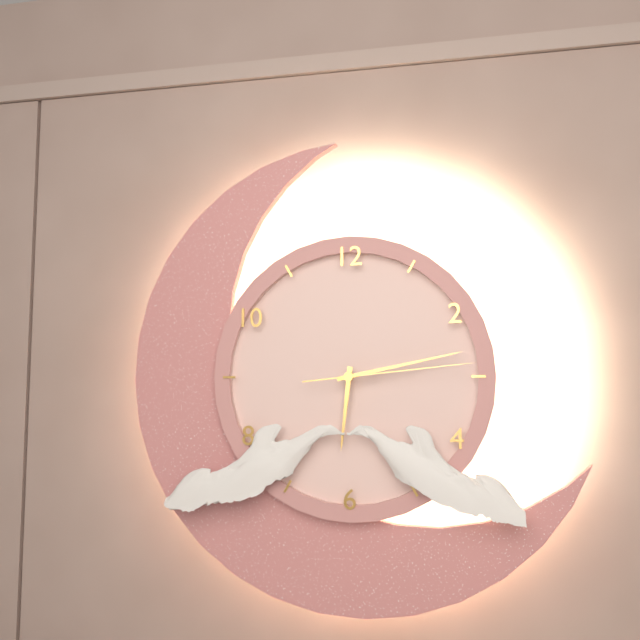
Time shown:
{"hour": 6, "minute": 13, "second": 14}
